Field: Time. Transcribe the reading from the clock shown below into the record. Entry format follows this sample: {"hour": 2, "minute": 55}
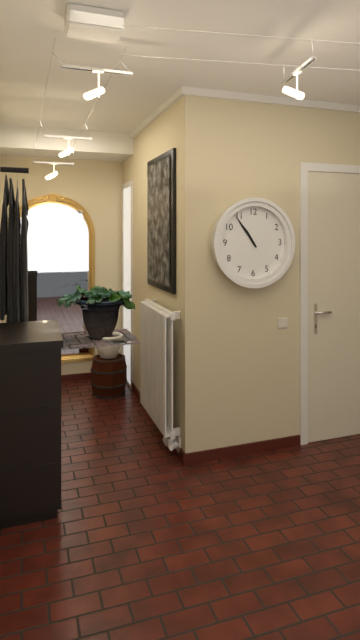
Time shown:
{"hour": 10, "minute": 54}
